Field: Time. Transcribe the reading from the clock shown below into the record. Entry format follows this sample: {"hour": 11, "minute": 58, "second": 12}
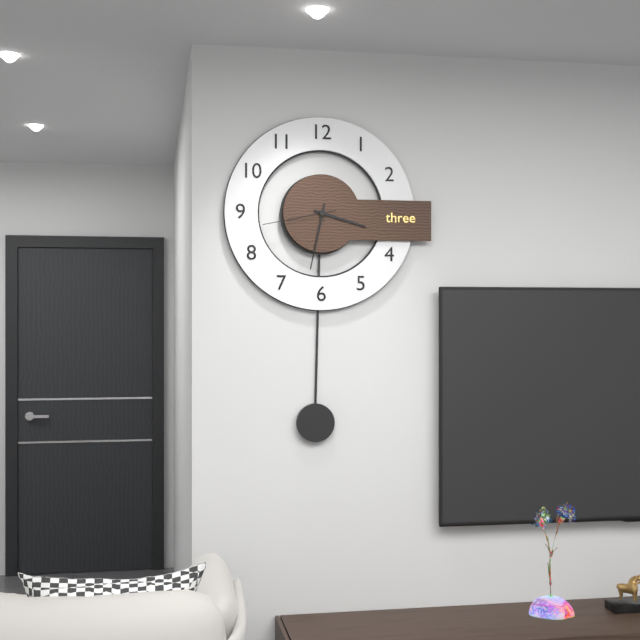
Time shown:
{"hour": 3, "minute": 32, "second": 43}
